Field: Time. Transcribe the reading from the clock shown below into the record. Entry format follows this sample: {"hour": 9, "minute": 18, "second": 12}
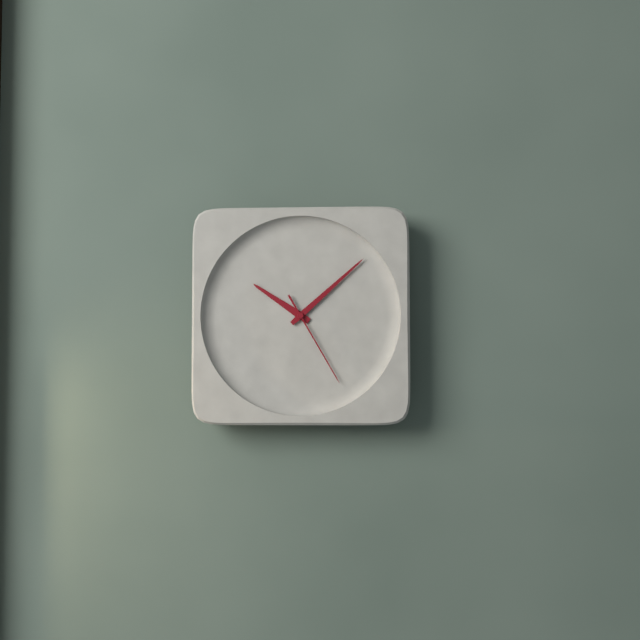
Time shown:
{"hour": 10, "minute": 8, "second": 25}
